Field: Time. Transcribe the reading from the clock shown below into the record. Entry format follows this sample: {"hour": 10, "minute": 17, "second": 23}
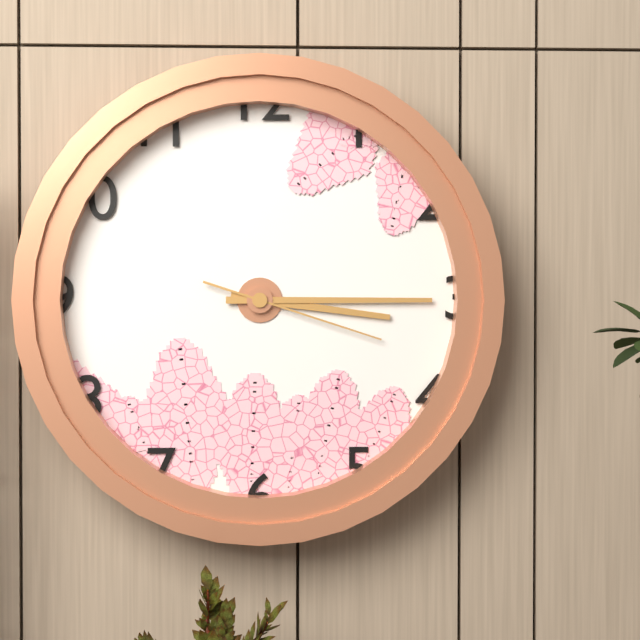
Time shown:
{"hour": 3, "minute": 15, "second": 18}
